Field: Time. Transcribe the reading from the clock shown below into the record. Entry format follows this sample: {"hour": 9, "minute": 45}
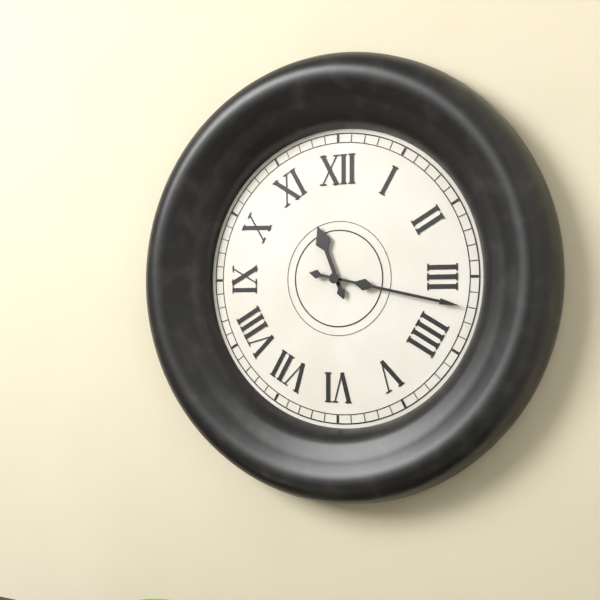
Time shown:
{"hour": 11, "minute": 17}
